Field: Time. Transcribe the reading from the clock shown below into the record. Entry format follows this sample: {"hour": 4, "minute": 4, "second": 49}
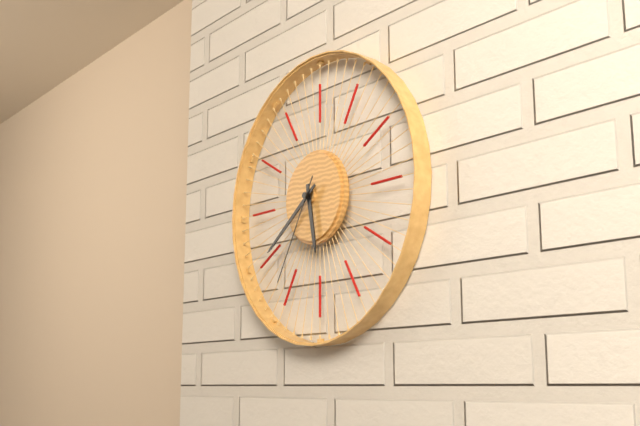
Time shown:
{"hour": 5, "minute": 39, "second": 35}
